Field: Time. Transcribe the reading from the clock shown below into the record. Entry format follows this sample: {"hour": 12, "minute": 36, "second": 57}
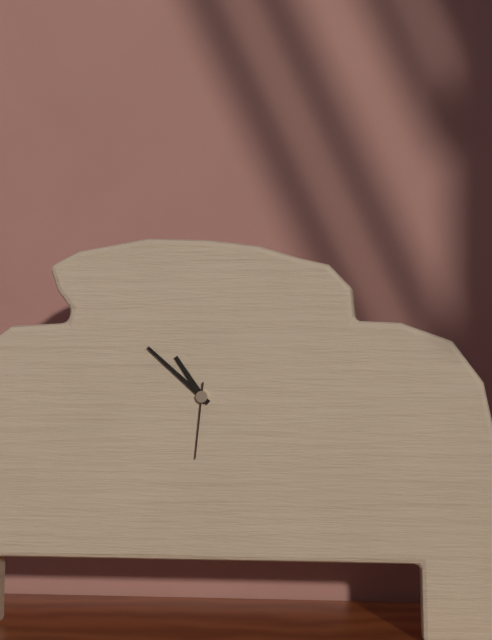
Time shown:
{"hour": 10, "minute": 52, "second": 31}
